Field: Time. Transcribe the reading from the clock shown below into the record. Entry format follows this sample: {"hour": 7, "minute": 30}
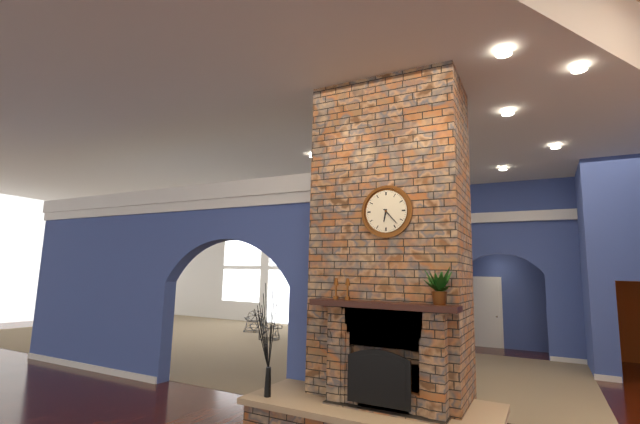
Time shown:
{"hour": 6, "minute": 23}
